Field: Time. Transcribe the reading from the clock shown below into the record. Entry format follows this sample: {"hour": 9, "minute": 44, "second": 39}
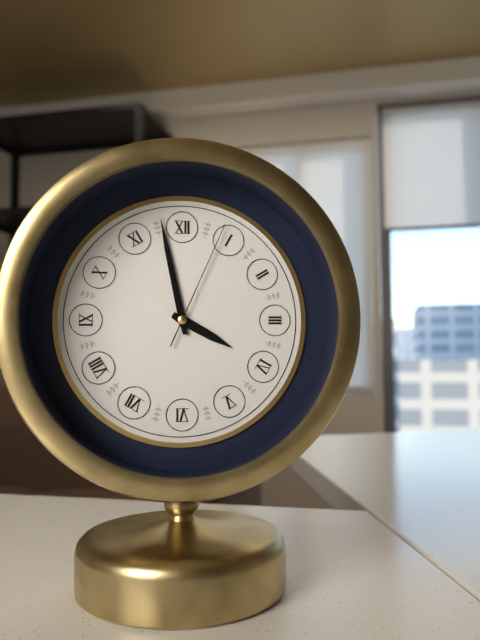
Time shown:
{"hour": 3, "minute": 58, "second": 4}
